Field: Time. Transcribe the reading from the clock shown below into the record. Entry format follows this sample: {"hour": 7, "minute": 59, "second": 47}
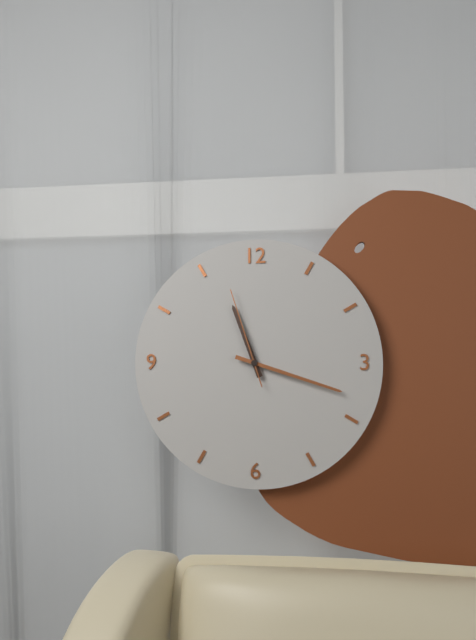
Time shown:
{"hour": 11, "minute": 18, "second": 57}
